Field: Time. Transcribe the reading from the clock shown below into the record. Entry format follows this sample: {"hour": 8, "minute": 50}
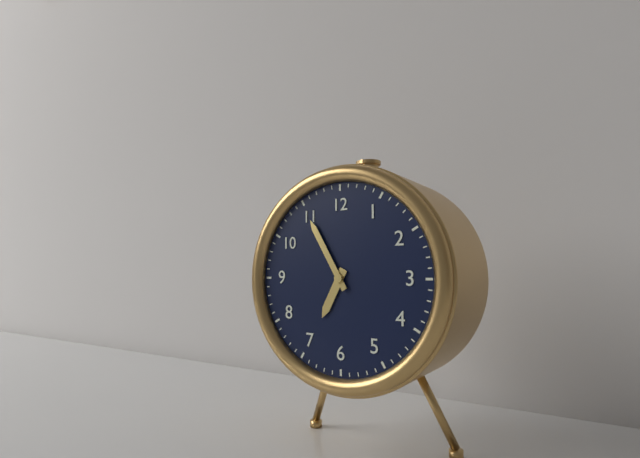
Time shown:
{"hour": 6, "minute": 55}
